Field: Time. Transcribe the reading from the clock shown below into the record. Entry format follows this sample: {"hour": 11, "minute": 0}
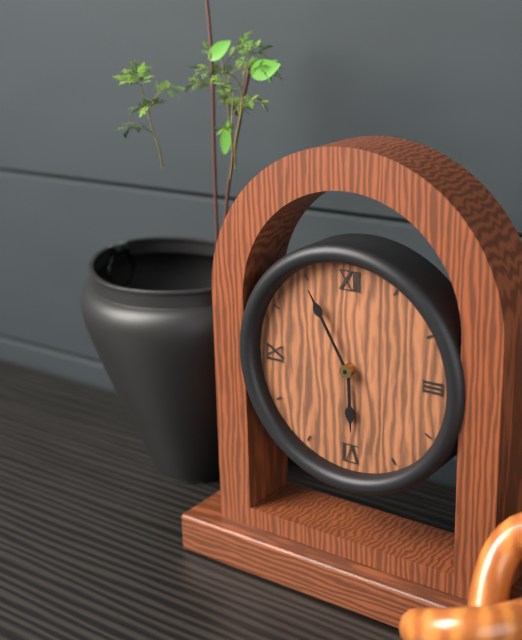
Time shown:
{"hour": 5, "minute": 55}
